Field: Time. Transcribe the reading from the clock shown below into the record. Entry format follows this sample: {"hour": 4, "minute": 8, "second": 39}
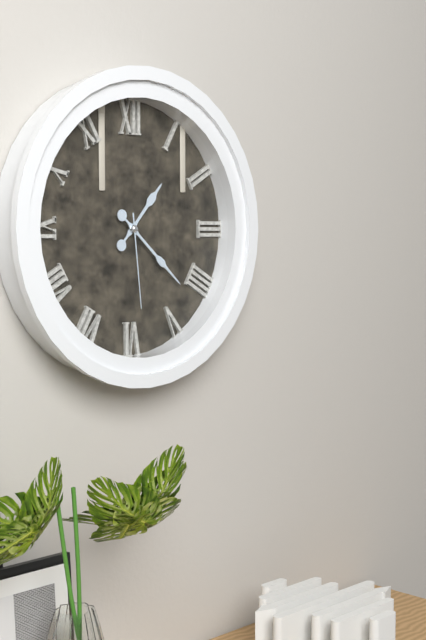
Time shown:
{"hour": 1, "minute": 22, "second": 29}
